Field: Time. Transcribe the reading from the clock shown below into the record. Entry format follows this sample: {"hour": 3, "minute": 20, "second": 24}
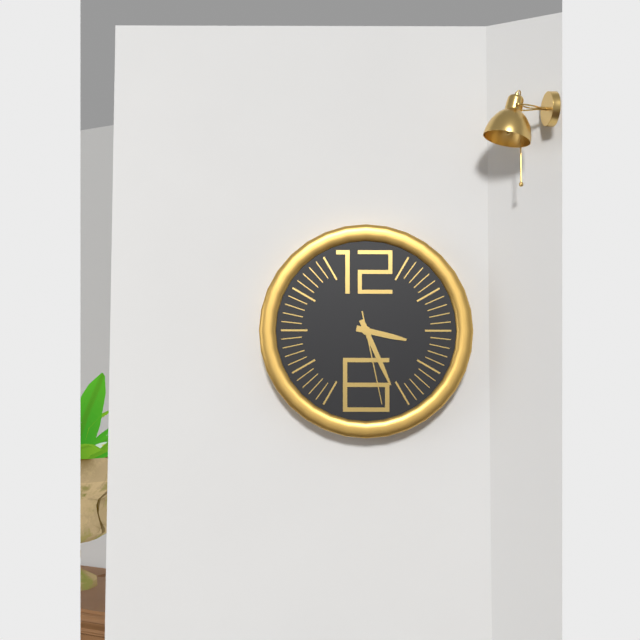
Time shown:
{"hour": 3, "minute": 26, "second": 28}
